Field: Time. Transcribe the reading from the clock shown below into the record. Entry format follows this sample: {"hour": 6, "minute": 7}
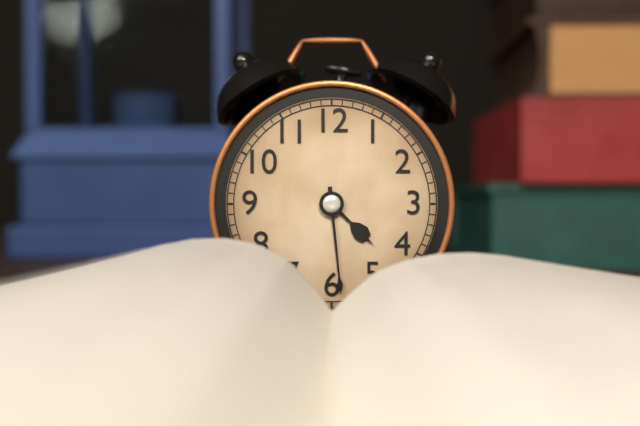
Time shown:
{"hour": 4, "minute": 29}
